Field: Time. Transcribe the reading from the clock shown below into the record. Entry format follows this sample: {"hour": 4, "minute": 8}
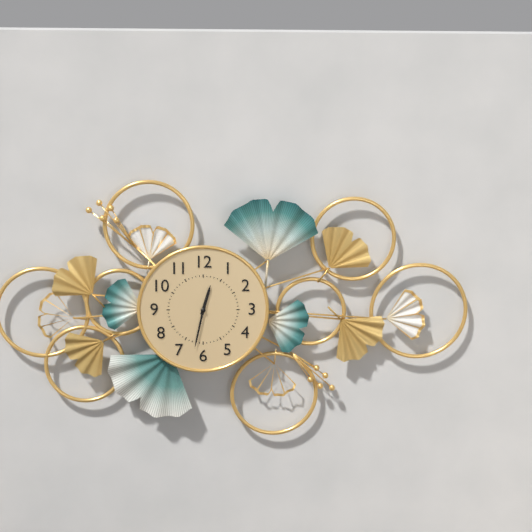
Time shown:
{"hour": 12, "minute": 32}
